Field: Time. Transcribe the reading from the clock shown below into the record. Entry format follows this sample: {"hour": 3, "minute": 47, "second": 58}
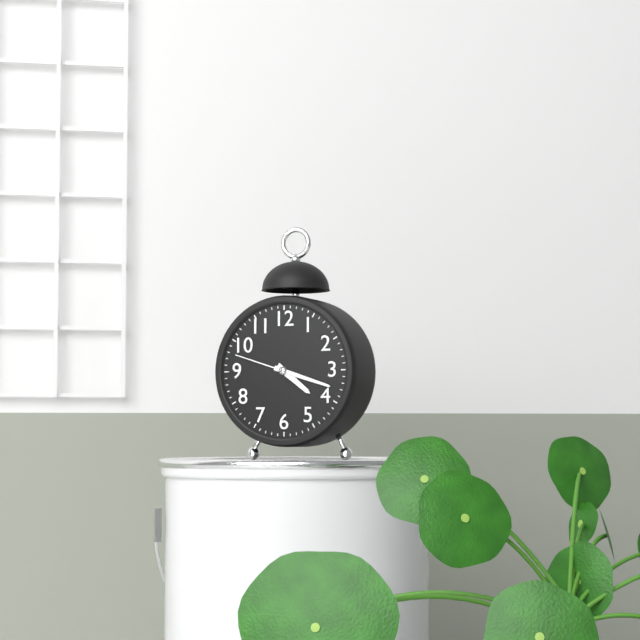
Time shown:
{"hour": 4, "minute": 18, "second": 48}
